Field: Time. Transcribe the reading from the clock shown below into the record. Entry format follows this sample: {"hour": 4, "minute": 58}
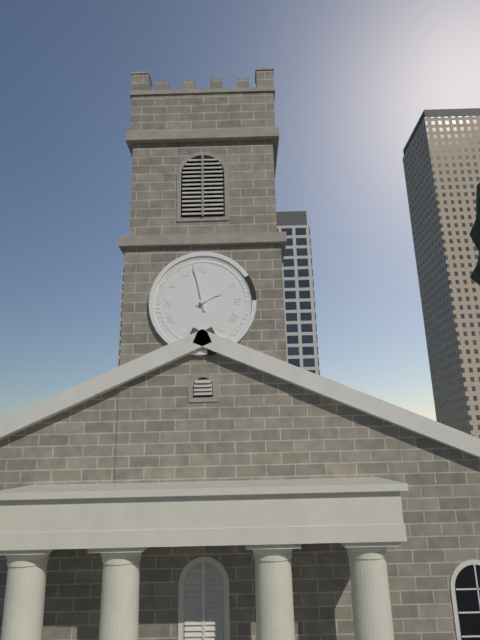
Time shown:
{"hour": 1, "minute": 58}
